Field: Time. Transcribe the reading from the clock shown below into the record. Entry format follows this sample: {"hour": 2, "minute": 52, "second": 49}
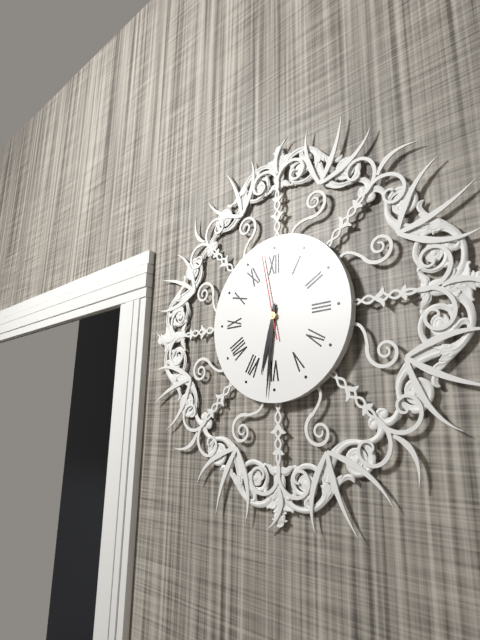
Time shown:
{"hour": 6, "minute": 31, "second": 58}
